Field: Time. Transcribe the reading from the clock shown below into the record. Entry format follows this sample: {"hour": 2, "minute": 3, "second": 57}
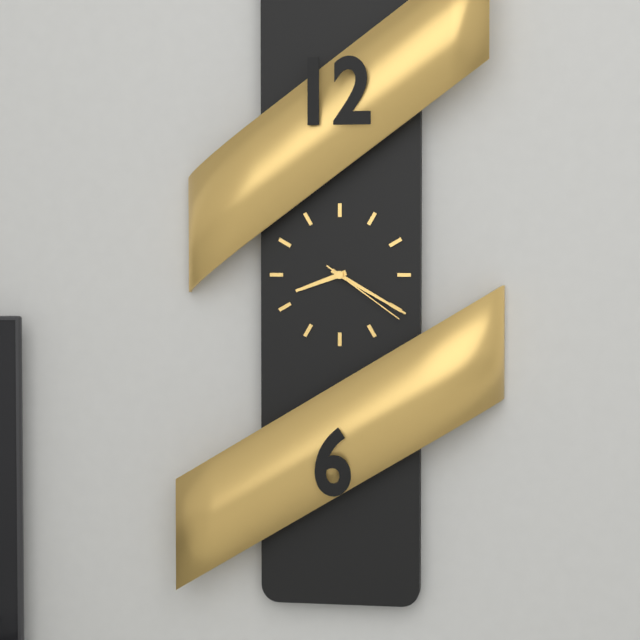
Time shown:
{"hour": 8, "minute": 20, "second": 21}
